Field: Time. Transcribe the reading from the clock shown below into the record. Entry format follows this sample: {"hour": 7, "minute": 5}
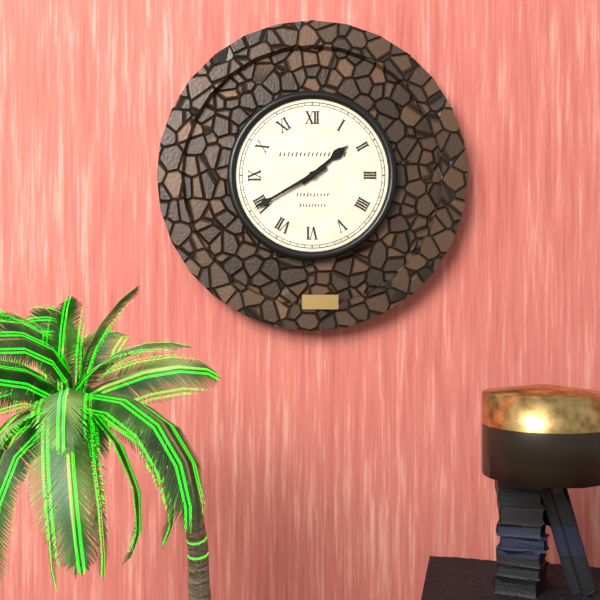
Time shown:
{"hour": 1, "minute": 40}
